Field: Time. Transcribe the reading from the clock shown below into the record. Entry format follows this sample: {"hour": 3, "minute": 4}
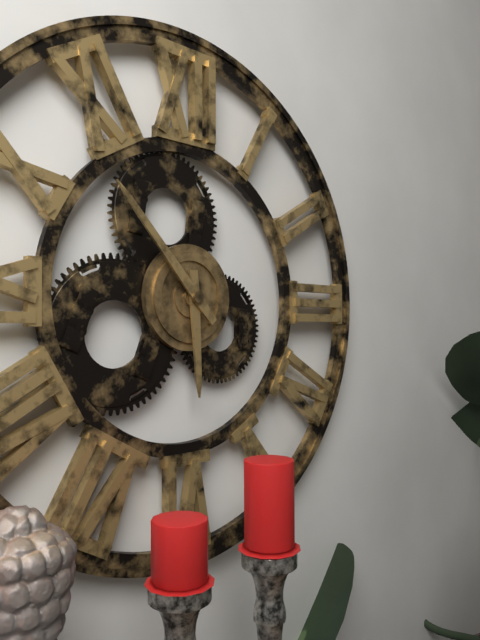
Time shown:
{"hour": 5, "minute": 53}
